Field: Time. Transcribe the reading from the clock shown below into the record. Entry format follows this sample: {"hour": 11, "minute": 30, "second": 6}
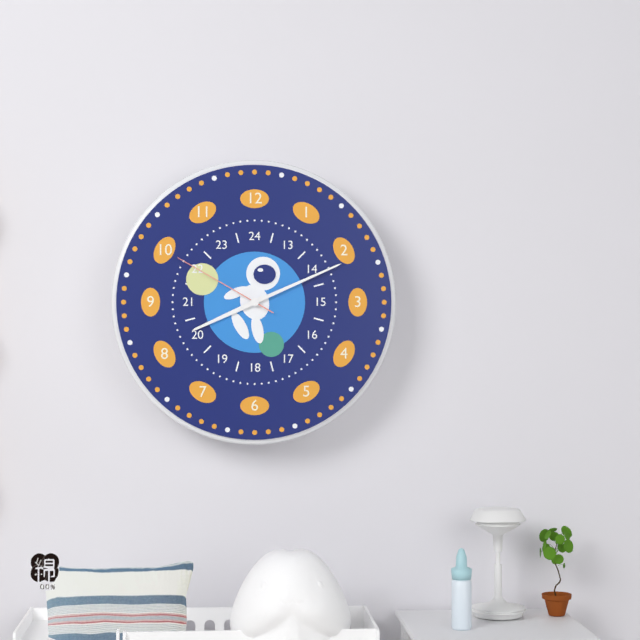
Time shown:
{"hour": 8, "minute": 11, "second": 50}
